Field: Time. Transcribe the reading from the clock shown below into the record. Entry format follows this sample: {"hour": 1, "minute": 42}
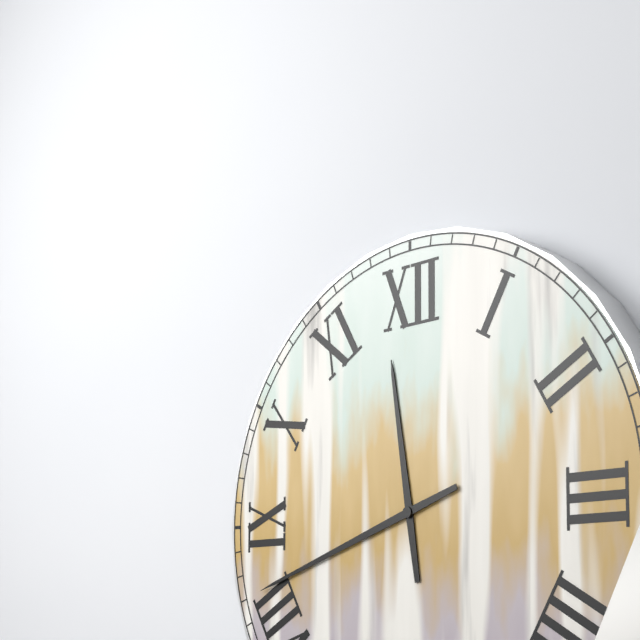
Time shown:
{"hour": 11, "minute": 42}
